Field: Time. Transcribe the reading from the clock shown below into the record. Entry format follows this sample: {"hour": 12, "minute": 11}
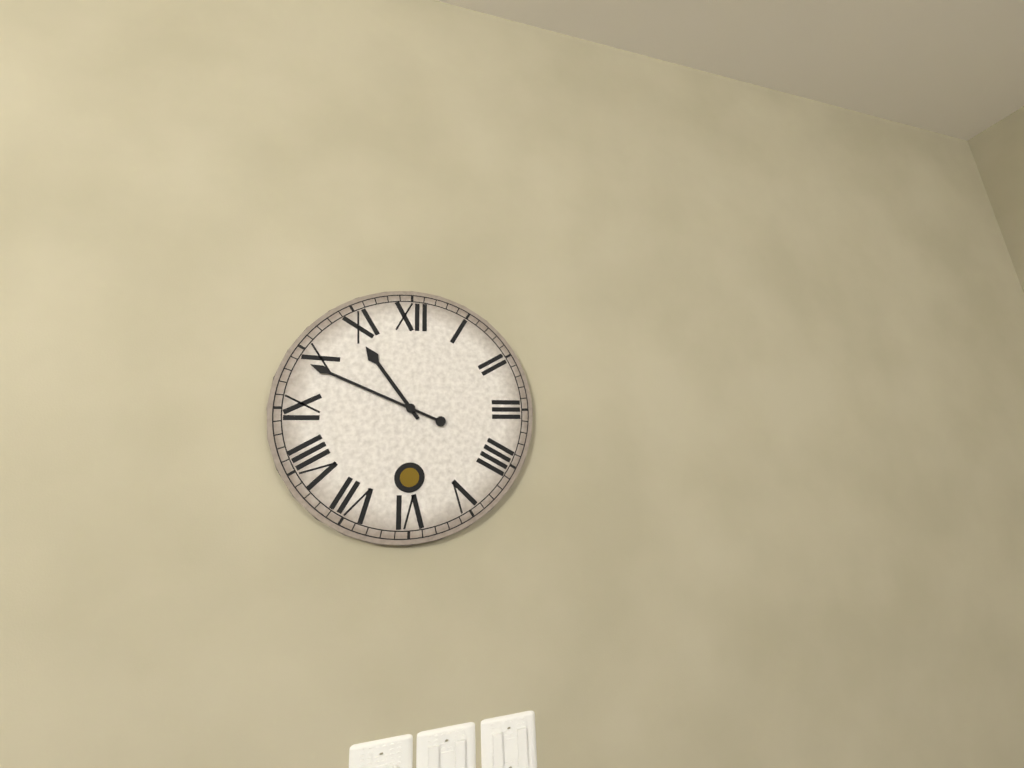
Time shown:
{"hour": 10, "minute": 49}
